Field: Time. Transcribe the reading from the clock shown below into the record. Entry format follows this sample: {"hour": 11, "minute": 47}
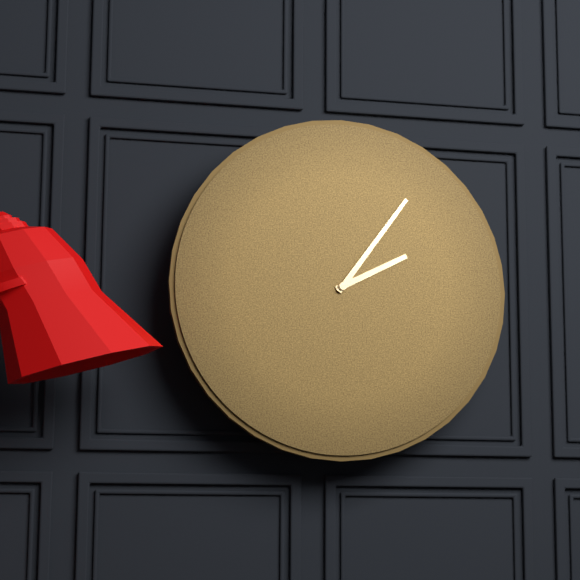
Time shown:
{"hour": 2, "minute": 6}
